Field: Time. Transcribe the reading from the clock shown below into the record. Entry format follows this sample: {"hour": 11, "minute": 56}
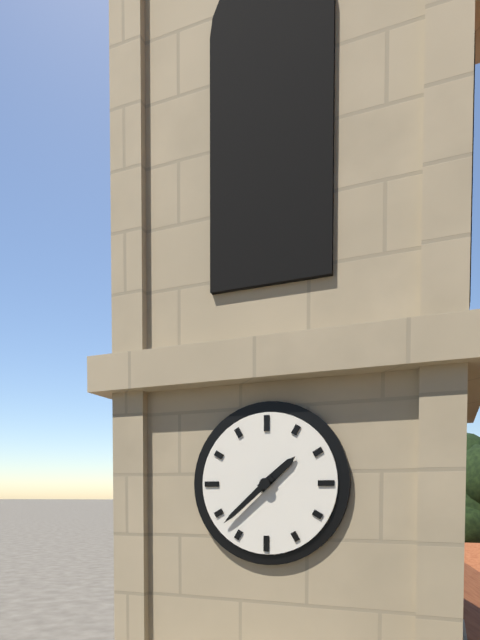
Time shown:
{"hour": 1, "minute": 38}
